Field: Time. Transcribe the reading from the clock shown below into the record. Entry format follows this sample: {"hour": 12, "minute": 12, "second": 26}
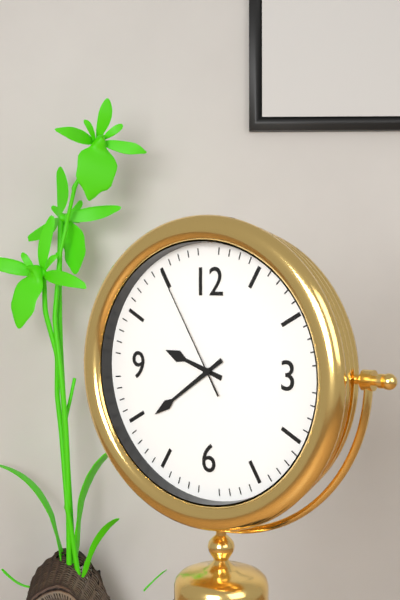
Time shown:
{"hour": 9, "minute": 39, "second": 55}
